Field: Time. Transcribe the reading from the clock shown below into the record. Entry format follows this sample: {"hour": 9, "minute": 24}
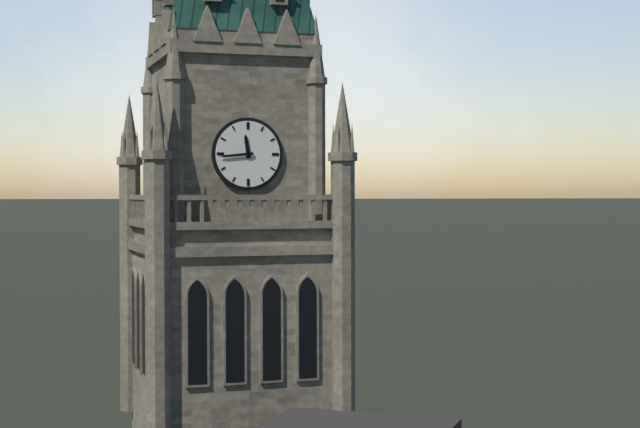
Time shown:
{"hour": 11, "minute": 44}
